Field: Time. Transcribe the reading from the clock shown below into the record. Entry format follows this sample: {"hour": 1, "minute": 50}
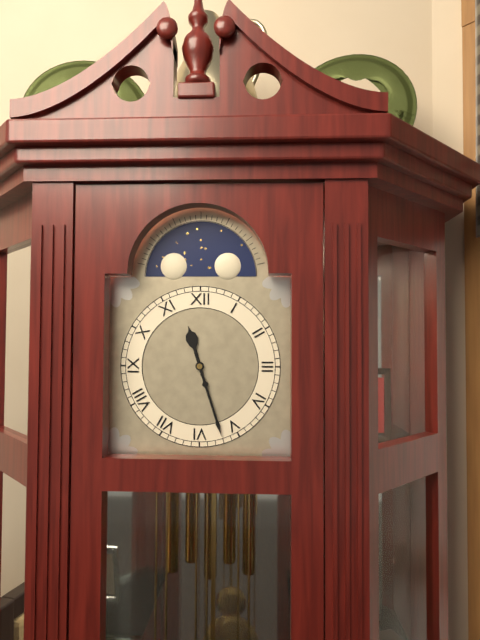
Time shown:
{"hour": 11, "minute": 27}
